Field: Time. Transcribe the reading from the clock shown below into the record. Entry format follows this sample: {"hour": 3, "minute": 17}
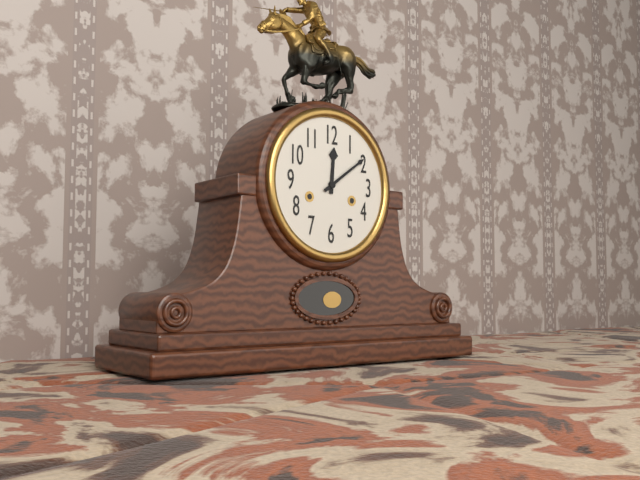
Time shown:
{"hour": 12, "minute": 9}
